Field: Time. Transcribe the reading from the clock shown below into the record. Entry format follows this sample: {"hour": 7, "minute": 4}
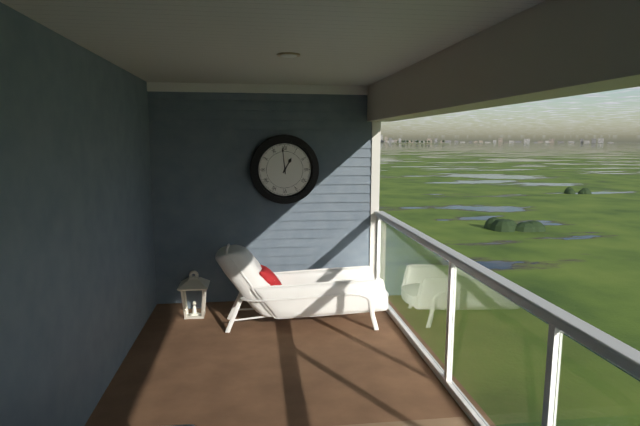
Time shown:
{"hour": 12, "minute": 59}
